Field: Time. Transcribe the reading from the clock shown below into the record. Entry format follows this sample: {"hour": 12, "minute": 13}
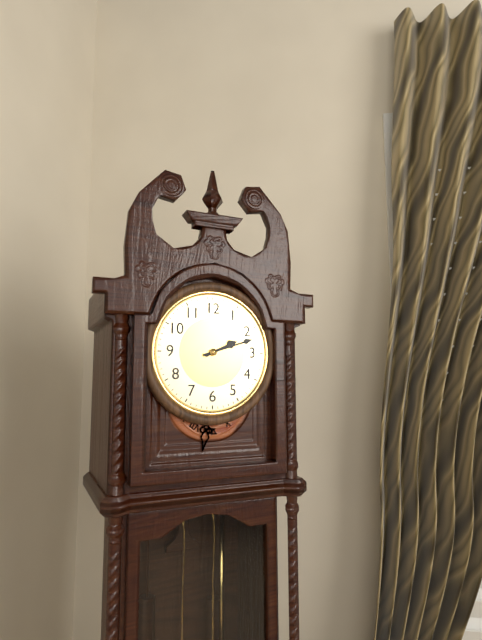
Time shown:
{"hour": 2, "minute": 12}
